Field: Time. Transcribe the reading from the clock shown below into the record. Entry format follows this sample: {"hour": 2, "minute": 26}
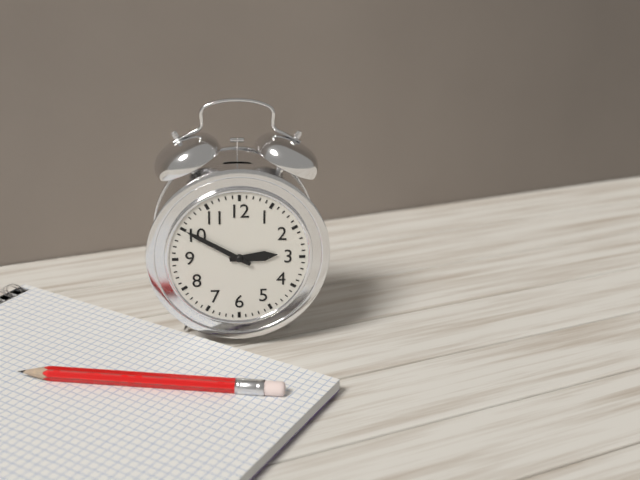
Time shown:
{"hour": 2, "minute": 50}
